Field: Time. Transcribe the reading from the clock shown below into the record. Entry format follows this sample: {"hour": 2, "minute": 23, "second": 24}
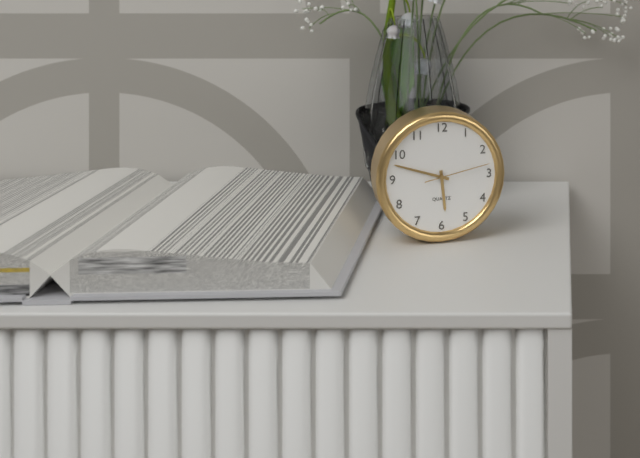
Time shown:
{"hour": 5, "minute": 48, "second": 13}
